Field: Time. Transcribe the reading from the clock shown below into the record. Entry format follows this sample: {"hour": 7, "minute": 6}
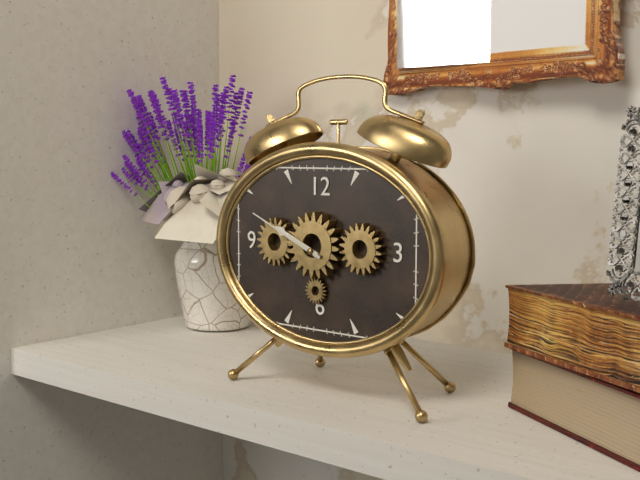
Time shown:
{"hour": 9, "minute": 49}
